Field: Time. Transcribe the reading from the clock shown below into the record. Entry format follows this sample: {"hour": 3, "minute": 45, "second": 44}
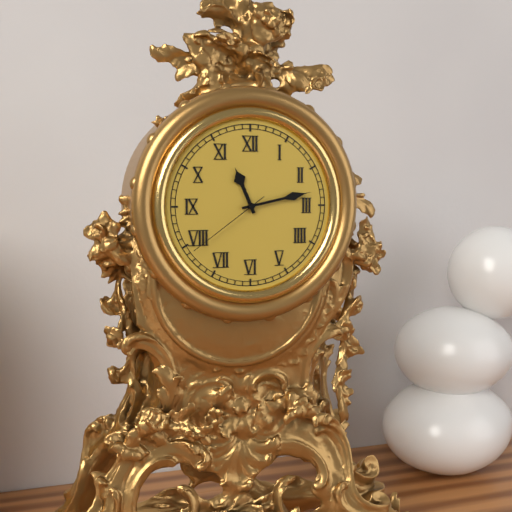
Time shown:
{"hour": 11, "minute": 13, "second": 39}
